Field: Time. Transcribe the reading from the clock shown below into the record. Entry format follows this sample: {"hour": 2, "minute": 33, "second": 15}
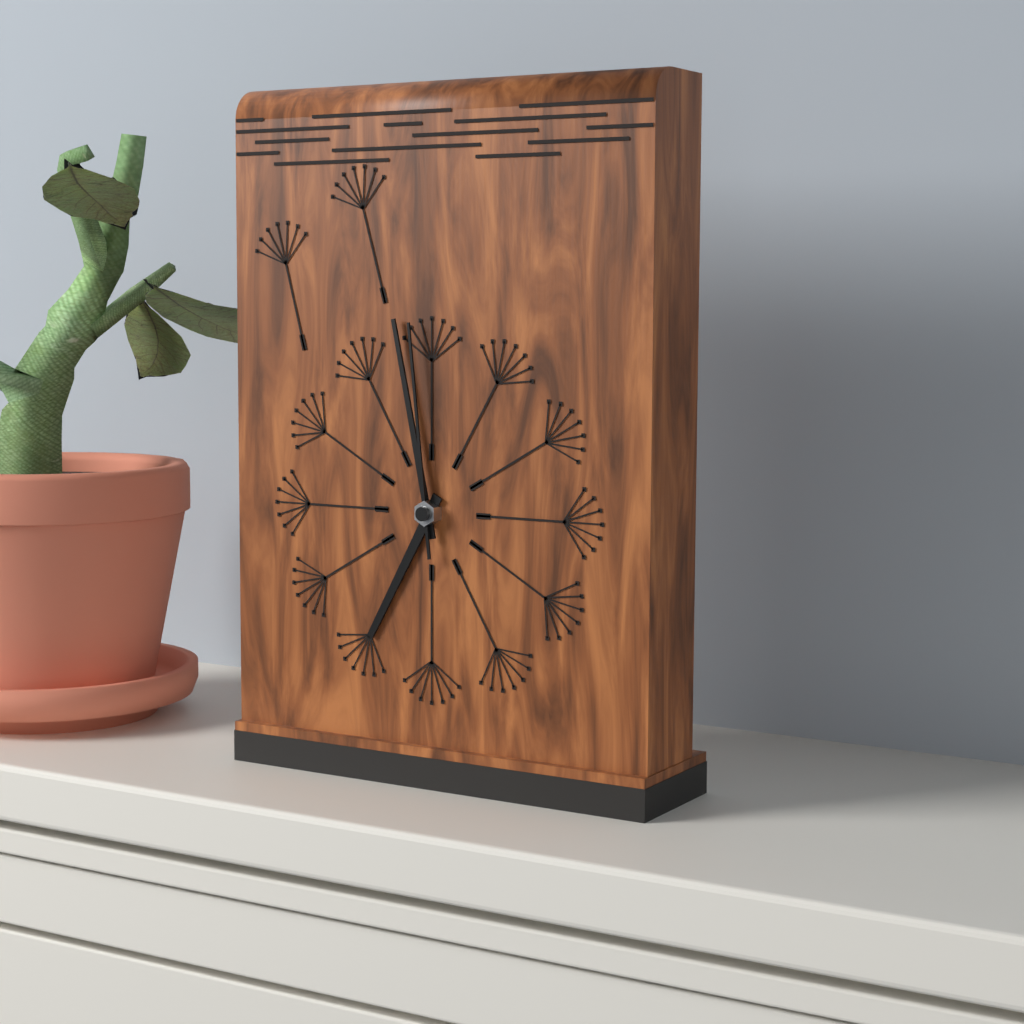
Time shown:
{"hour": 6, "minute": 58, "second": 59}
